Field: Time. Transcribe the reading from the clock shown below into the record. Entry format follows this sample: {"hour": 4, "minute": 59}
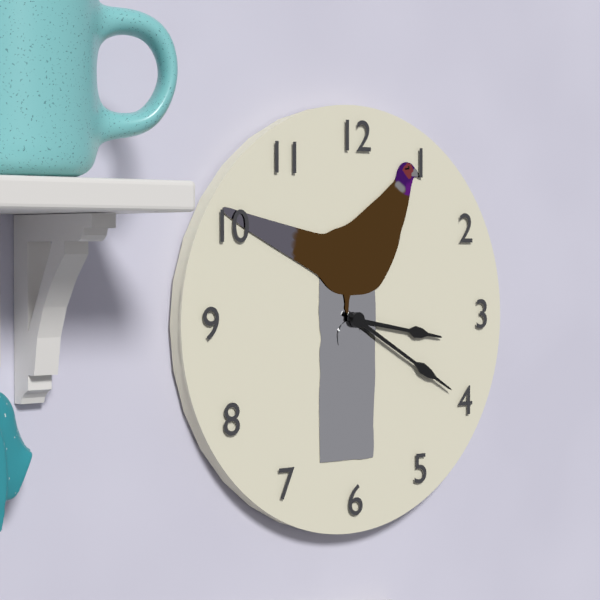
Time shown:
{"hour": 3, "minute": 20}
